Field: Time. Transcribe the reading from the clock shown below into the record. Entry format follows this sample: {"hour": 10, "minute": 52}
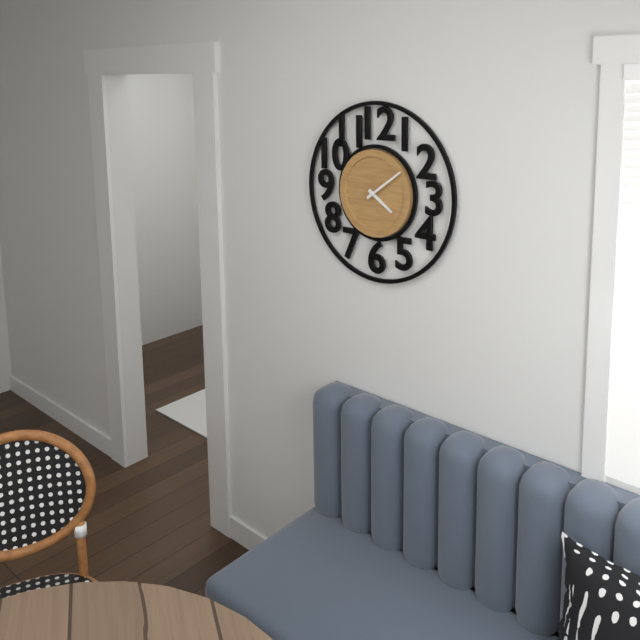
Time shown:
{"hour": 4, "minute": 9}
